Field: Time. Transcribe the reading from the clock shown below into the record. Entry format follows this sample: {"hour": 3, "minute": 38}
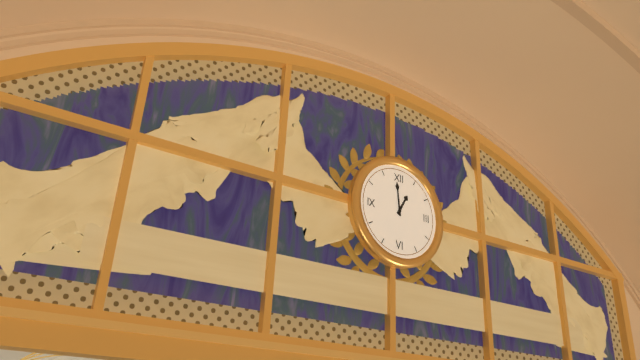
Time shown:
{"hour": 12, "minute": 59}
